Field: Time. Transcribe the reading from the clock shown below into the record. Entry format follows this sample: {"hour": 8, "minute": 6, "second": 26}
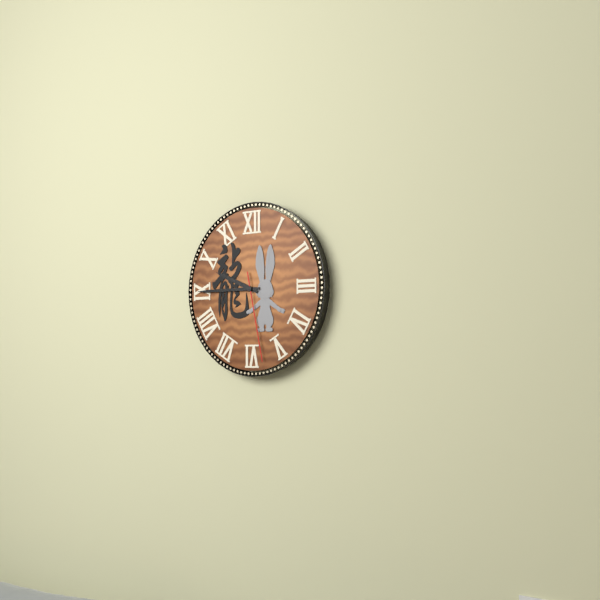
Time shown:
{"hour": 9, "minute": 45, "second": 28}
